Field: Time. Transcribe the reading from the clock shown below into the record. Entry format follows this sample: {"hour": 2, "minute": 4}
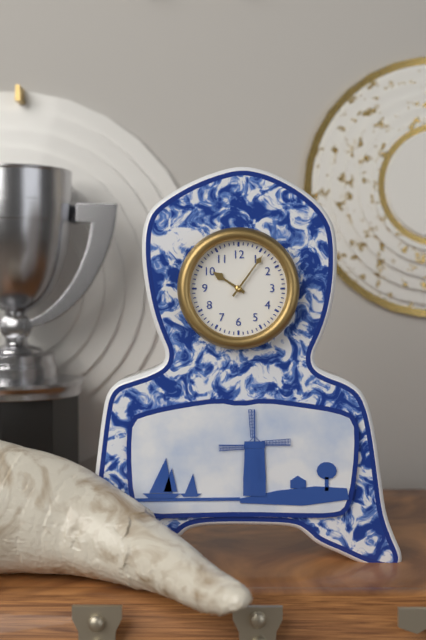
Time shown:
{"hour": 10, "minute": 6}
